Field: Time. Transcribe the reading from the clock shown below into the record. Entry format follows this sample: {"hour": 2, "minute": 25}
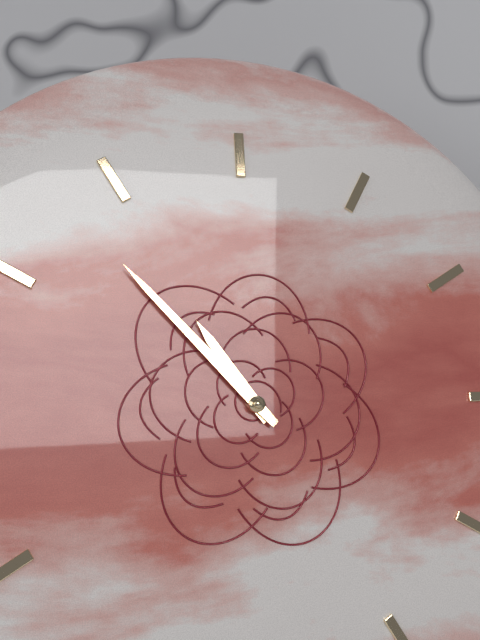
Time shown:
{"hour": 10, "minute": 53}
